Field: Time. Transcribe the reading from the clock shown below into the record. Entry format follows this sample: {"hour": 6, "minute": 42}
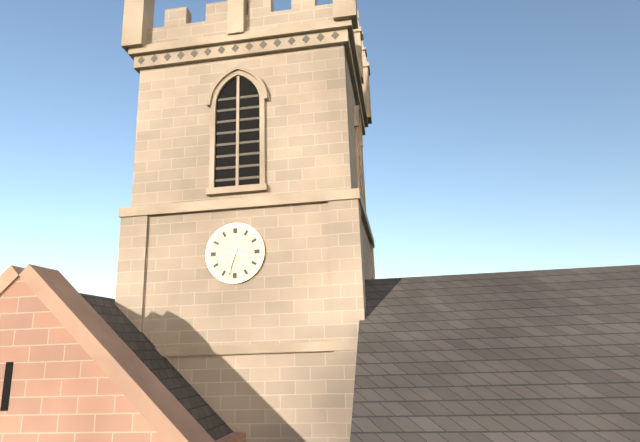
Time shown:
{"hour": 3, "minute": 33}
